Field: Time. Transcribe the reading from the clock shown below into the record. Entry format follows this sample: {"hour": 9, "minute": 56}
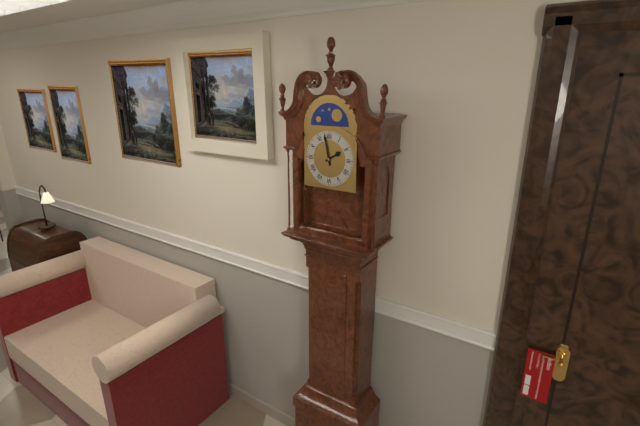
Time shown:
{"hour": 1, "minute": 58}
